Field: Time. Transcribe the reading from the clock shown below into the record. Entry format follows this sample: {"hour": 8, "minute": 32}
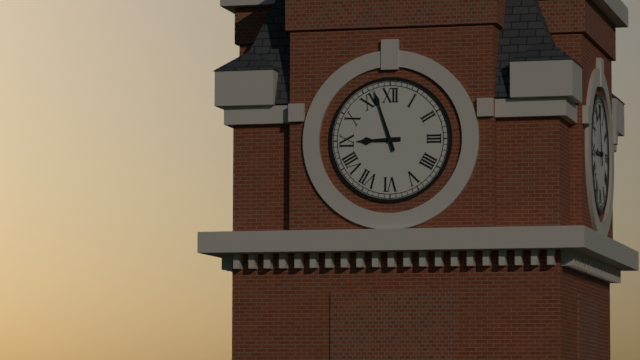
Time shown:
{"hour": 8, "minute": 57}
